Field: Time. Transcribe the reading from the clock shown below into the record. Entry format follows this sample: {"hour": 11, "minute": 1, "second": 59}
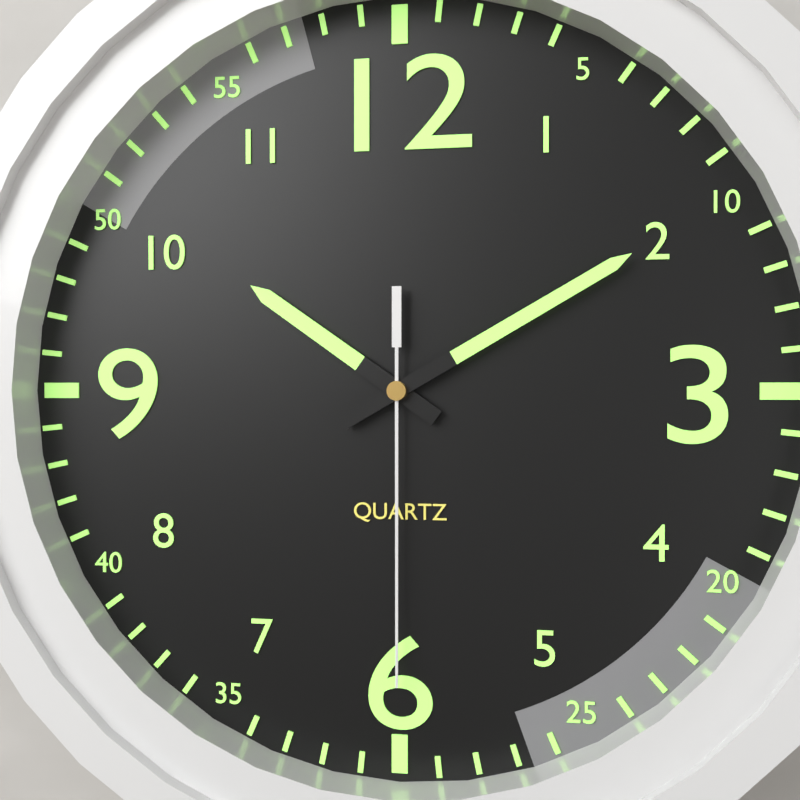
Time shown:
{"hour": 10, "minute": 10, "second": 30}
